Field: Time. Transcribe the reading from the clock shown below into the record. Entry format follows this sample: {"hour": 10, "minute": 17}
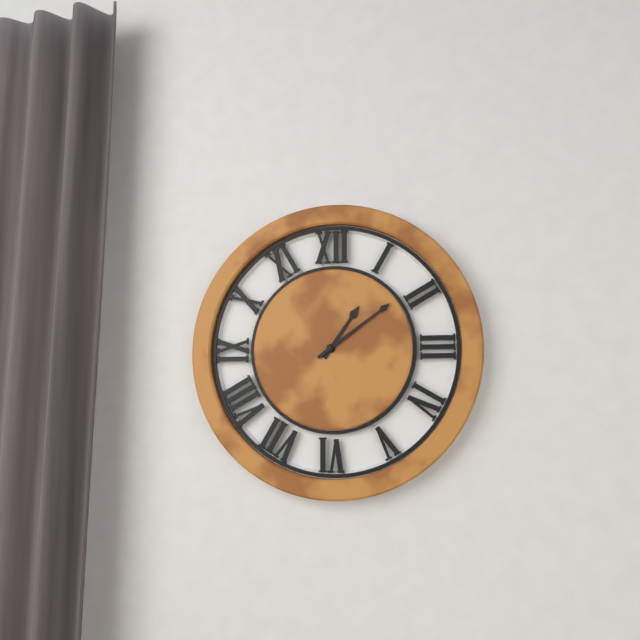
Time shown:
{"hour": 1, "minute": 9}
